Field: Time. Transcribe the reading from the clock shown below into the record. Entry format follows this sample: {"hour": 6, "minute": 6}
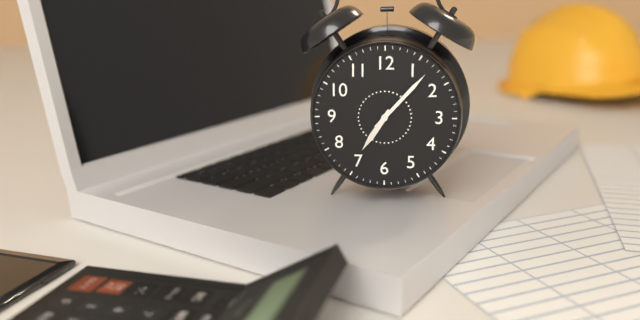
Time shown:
{"hour": 7, "minute": 7}
